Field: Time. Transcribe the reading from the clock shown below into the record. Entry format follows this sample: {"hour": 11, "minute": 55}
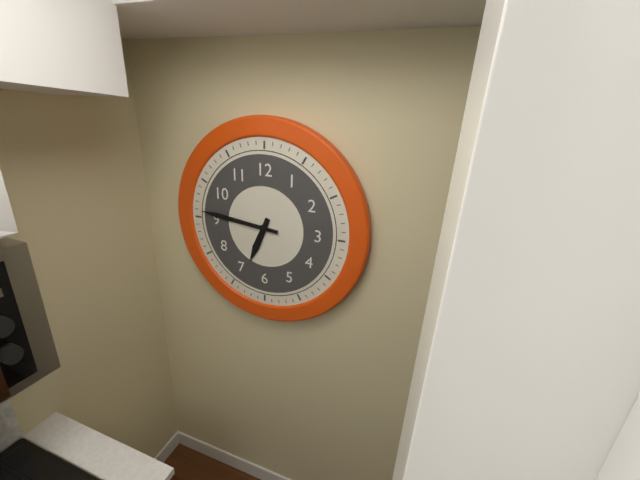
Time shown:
{"hour": 6, "minute": 46}
